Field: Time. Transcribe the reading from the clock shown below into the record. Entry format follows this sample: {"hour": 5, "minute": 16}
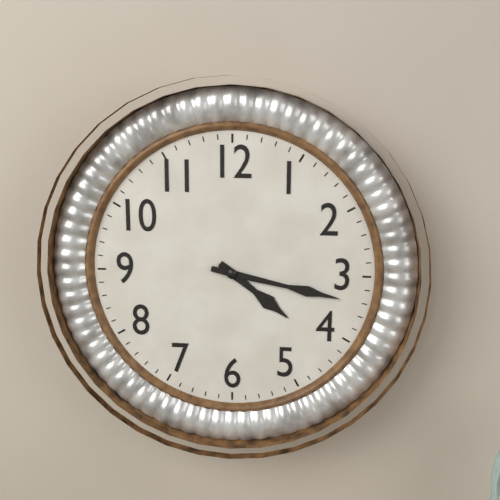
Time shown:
{"hour": 4, "minute": 17}
